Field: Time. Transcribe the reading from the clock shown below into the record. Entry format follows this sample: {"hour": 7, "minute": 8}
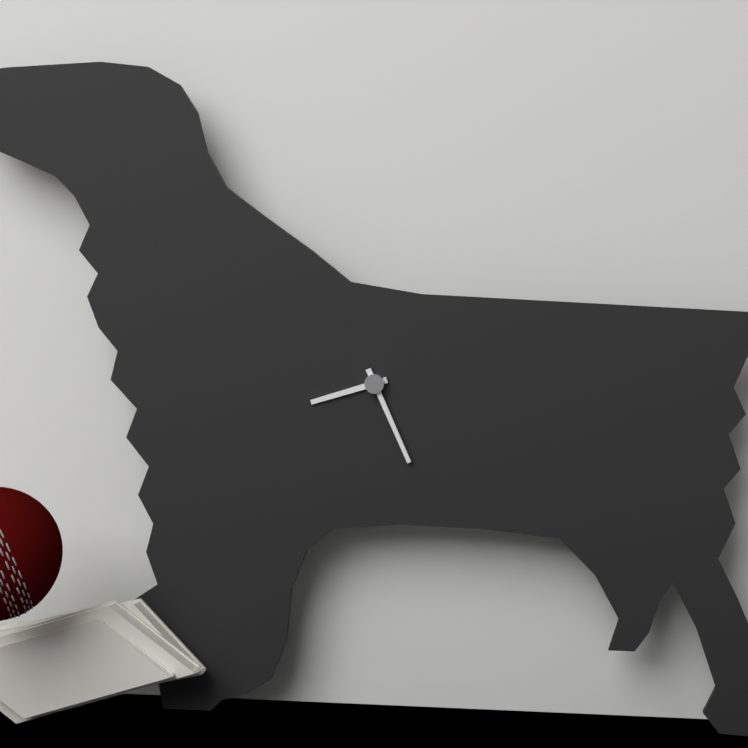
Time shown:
{"hour": 8, "minute": 26}
